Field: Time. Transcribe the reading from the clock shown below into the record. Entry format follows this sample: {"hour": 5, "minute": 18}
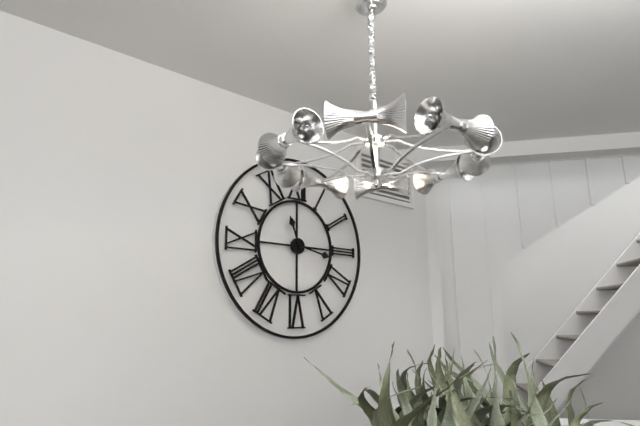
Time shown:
{"hour": 11, "minute": 17}
